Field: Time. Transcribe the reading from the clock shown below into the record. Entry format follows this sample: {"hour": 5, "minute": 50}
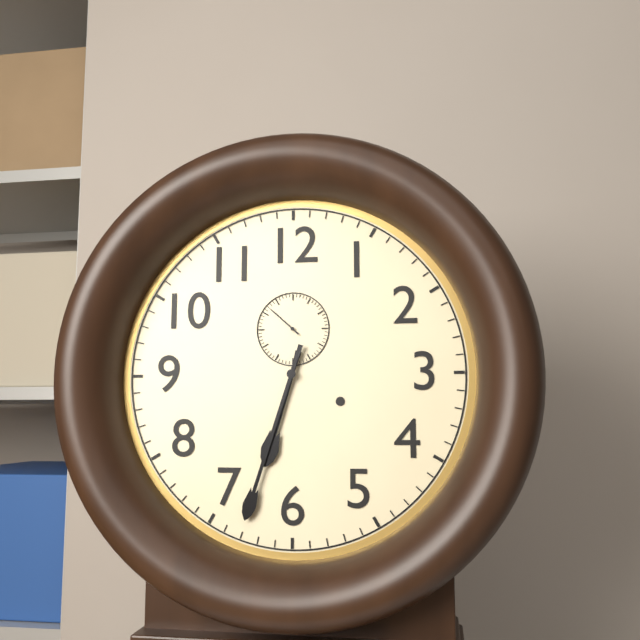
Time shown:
{"hour": 6, "minute": 33}
